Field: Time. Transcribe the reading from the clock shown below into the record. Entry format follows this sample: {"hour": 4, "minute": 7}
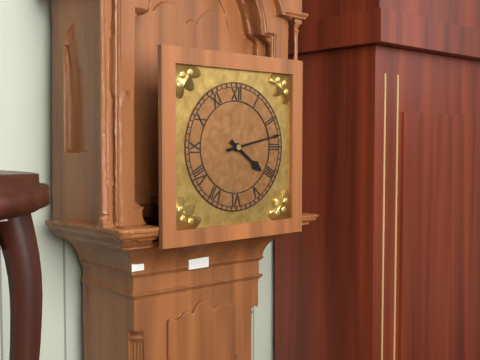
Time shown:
{"hour": 4, "minute": 13}
